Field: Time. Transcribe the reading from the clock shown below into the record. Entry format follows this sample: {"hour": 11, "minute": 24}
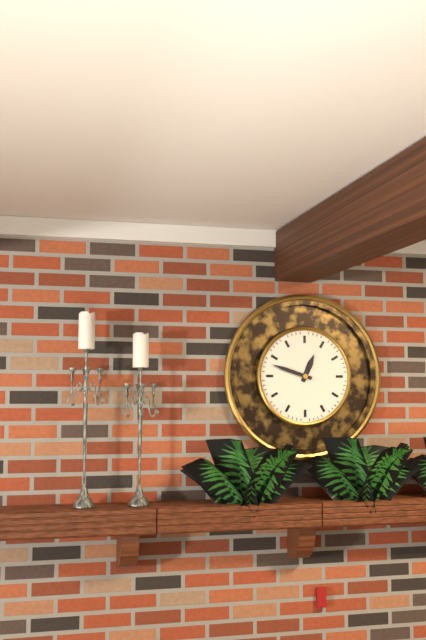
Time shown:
{"hour": 12, "minute": 48}
